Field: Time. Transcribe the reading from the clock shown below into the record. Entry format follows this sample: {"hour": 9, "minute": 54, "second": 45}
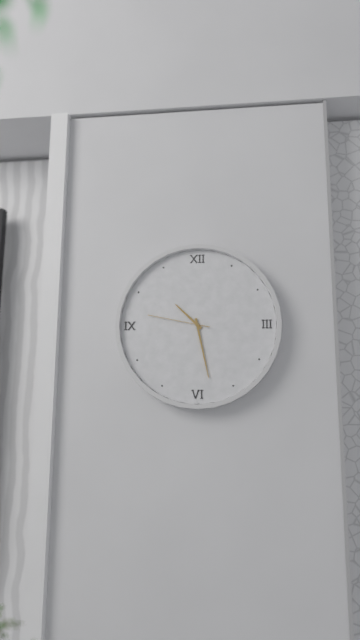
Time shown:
{"hour": 10, "minute": 28, "second": 47}
